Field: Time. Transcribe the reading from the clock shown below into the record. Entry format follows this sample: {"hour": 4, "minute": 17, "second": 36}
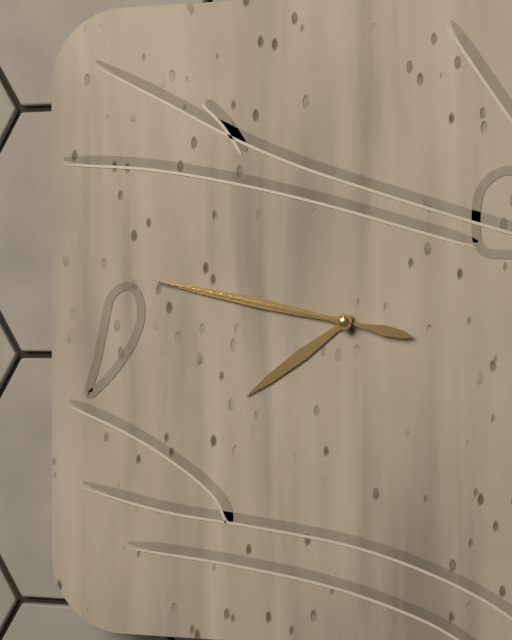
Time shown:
{"hour": 7, "minute": 47, "second": 47}
